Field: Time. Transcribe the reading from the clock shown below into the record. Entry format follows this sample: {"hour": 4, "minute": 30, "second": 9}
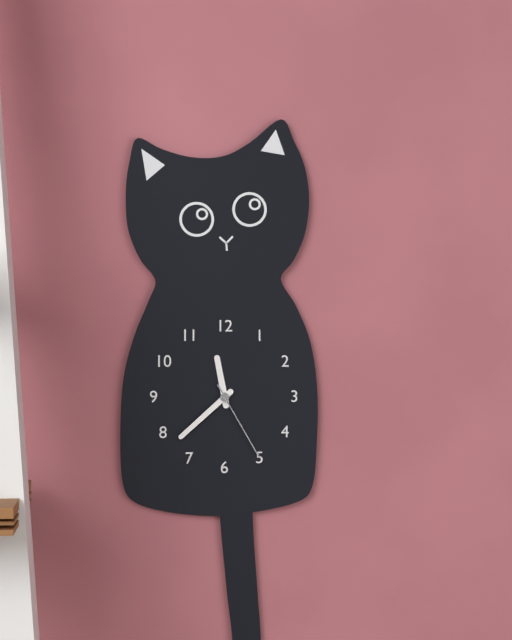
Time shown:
{"hour": 11, "minute": 38, "second": 25}
